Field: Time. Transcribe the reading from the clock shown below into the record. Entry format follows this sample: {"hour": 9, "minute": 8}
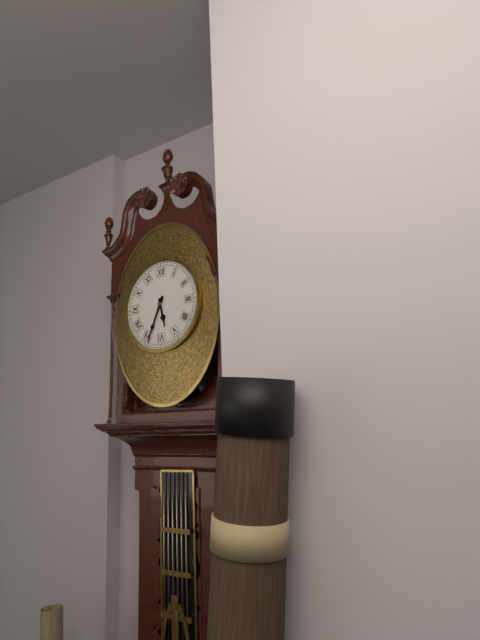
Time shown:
{"hour": 5, "minute": 34}
